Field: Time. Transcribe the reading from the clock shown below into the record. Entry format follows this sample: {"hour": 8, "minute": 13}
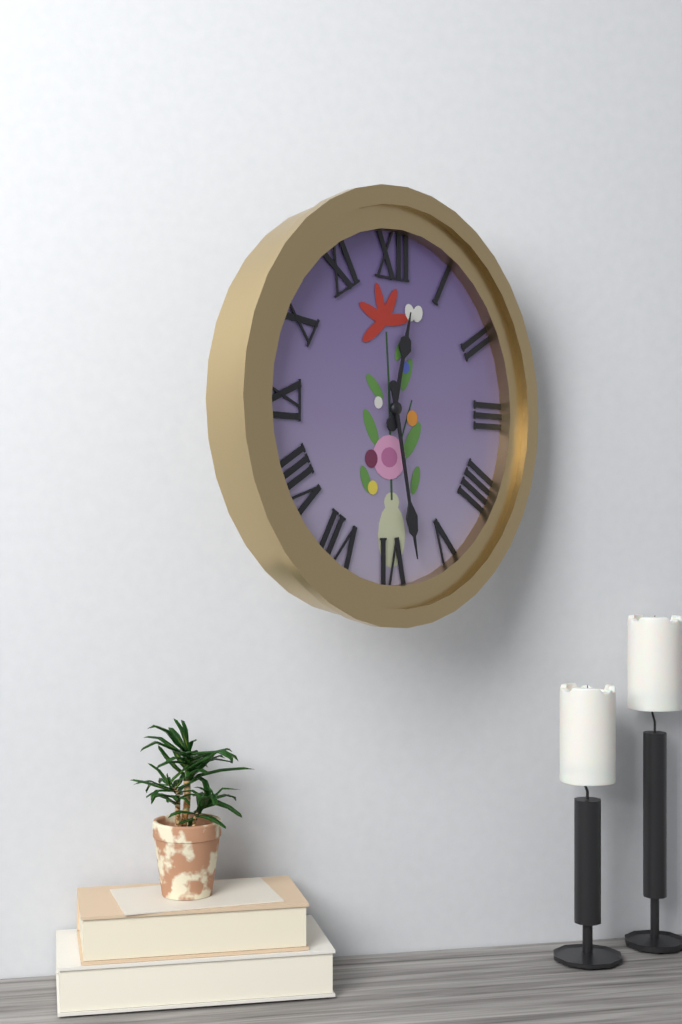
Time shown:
{"hour": 12, "minute": 28}
